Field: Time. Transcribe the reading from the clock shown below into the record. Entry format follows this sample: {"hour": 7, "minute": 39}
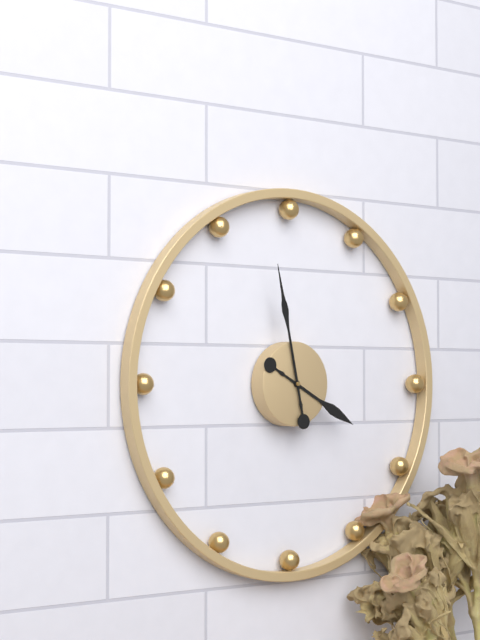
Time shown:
{"hour": 3, "minute": 58}
